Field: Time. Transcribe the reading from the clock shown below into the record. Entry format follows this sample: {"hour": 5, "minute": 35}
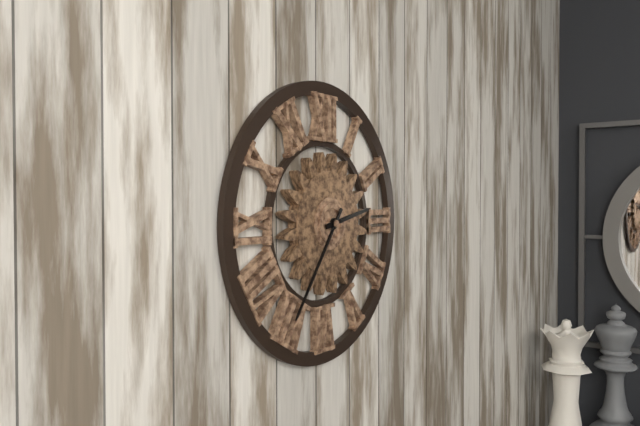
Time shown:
{"hour": 2, "minute": 36}
